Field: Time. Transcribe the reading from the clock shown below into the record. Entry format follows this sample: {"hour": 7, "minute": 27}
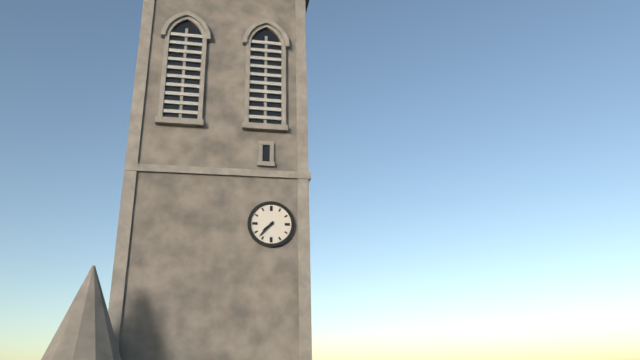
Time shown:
{"hour": 7, "minute": 37}
